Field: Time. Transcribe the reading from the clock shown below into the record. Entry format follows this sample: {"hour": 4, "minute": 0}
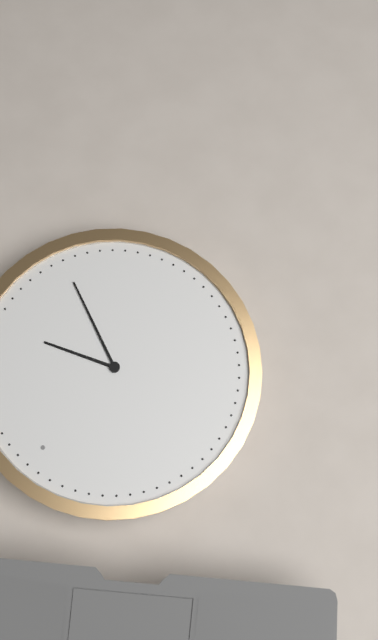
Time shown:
{"hour": 2, "minute": 19}
